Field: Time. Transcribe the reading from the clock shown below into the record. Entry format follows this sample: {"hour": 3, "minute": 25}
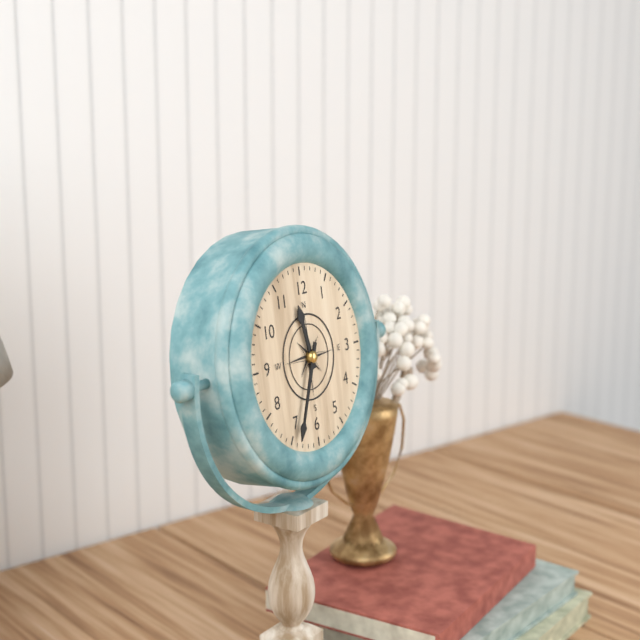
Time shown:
{"hour": 11, "minute": 34}
